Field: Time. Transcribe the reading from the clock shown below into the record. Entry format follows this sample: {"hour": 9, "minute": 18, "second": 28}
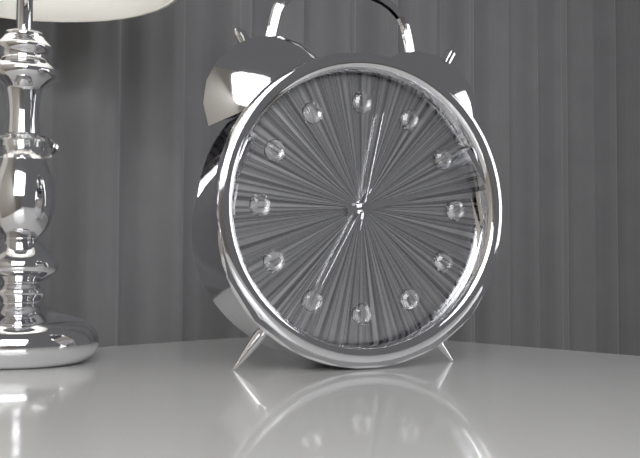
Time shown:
{"hour": 2, "minute": 35, "second": 2}
